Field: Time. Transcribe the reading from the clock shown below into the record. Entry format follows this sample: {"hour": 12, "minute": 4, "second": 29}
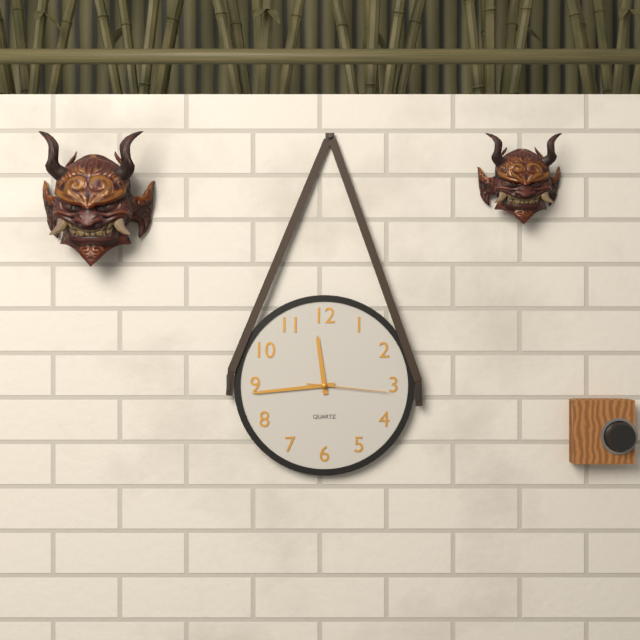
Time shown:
{"hour": 11, "minute": 44, "second": 16}
